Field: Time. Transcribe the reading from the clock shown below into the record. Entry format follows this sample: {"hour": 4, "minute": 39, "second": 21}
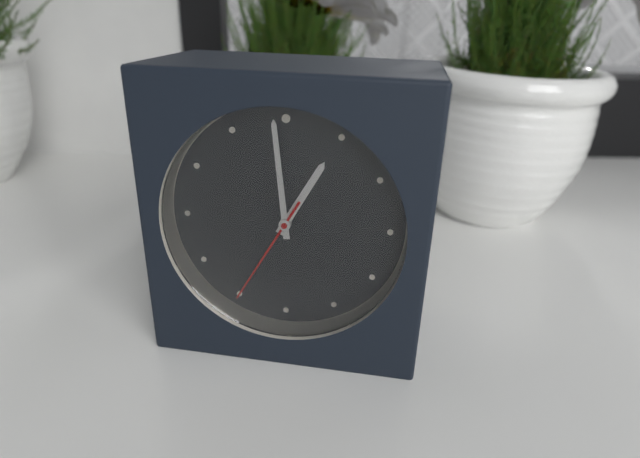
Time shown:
{"hour": 12, "minute": 59, "second": 35}
